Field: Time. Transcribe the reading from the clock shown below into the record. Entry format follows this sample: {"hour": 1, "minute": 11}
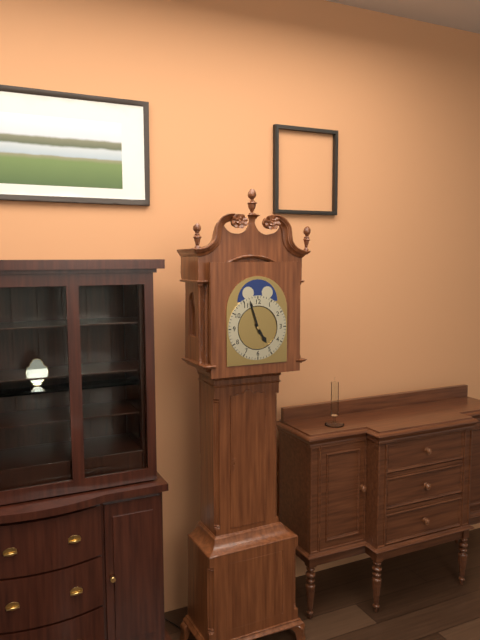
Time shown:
{"hour": 4, "minute": 57}
